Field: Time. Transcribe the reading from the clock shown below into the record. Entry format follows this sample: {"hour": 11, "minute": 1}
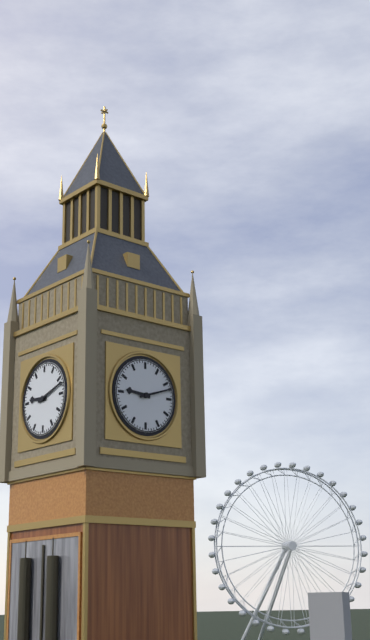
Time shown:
{"hour": 9, "minute": 12}
